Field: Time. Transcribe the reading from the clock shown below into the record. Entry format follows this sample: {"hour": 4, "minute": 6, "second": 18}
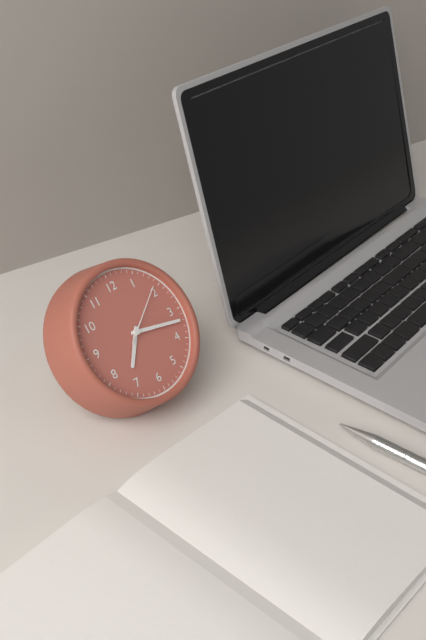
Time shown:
{"hour": 7, "minute": 17, "second": 9}
